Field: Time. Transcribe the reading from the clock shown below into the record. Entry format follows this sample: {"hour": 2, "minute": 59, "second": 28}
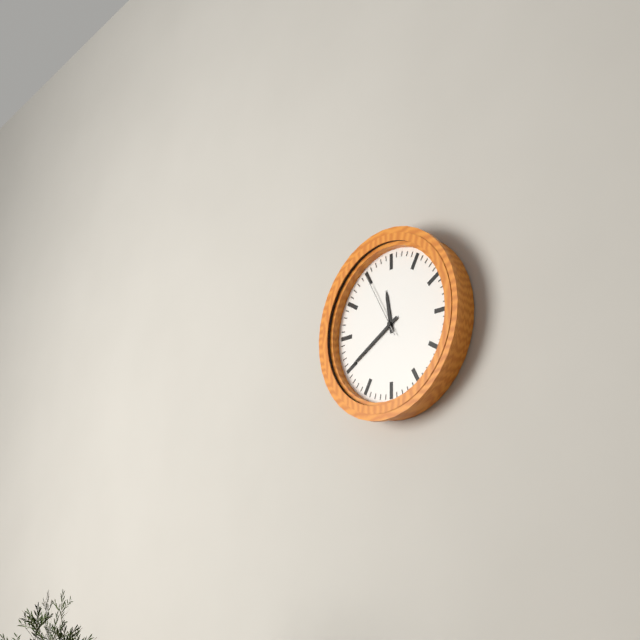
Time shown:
{"hour": 11, "minute": 40, "second": 55}
